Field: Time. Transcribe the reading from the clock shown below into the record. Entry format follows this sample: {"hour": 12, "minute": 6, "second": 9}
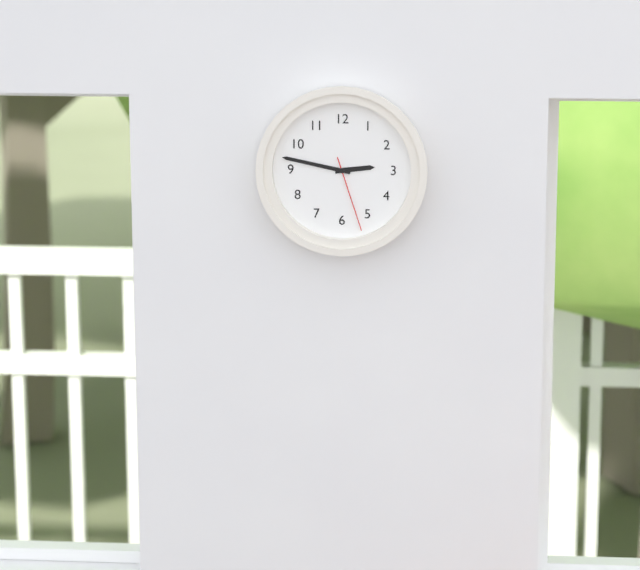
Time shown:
{"hour": 2, "minute": 47, "second": 27}
